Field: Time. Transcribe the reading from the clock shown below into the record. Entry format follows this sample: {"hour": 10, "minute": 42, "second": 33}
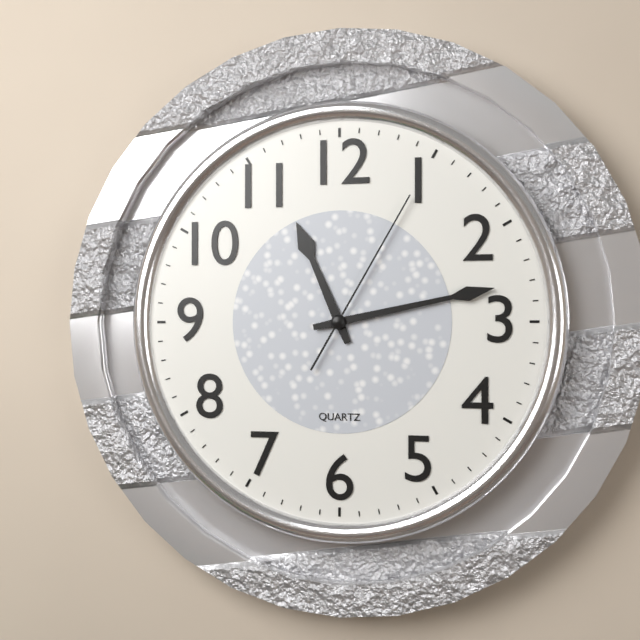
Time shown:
{"hour": 11, "minute": 13, "second": 5}
